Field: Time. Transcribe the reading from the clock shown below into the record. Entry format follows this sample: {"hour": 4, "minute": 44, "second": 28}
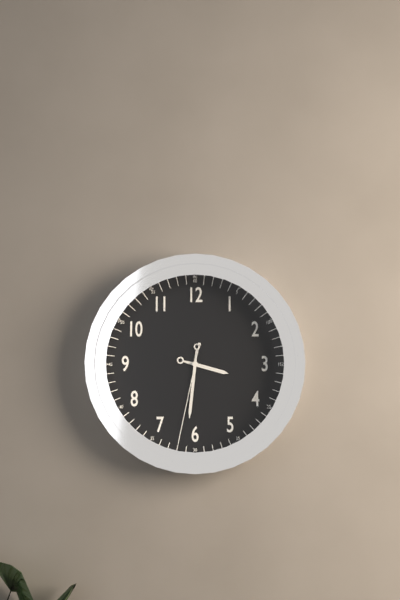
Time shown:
{"hour": 3, "minute": 31, "second": 32}
